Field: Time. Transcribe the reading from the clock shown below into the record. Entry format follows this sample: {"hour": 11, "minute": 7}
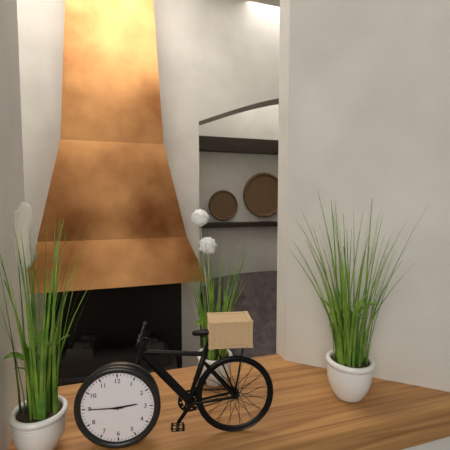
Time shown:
{"hour": 2, "minute": 45}
